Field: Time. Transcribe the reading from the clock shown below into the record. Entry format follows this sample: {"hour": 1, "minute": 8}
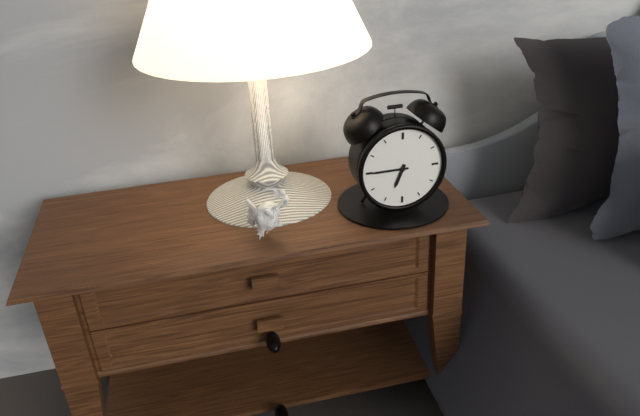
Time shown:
{"hour": 6, "minute": 45}
